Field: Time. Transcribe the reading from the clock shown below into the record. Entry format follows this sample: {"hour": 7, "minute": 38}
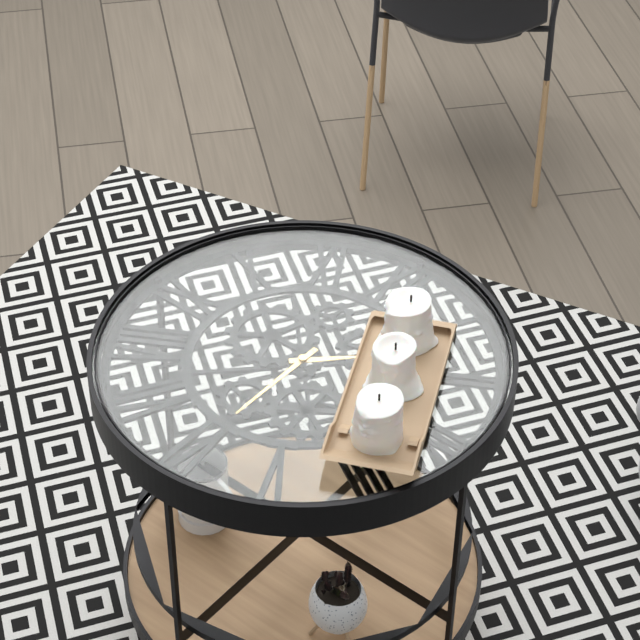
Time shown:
{"hour": 1, "minute": 30}
